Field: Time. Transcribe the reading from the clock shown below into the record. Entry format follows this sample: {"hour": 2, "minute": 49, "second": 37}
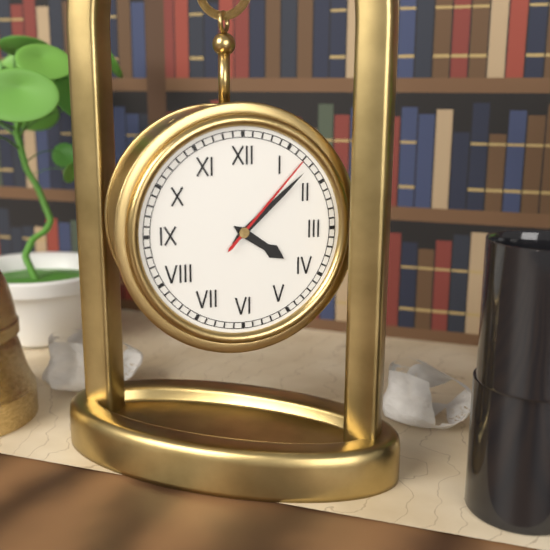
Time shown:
{"hour": 4, "minute": 8, "second": 7}
